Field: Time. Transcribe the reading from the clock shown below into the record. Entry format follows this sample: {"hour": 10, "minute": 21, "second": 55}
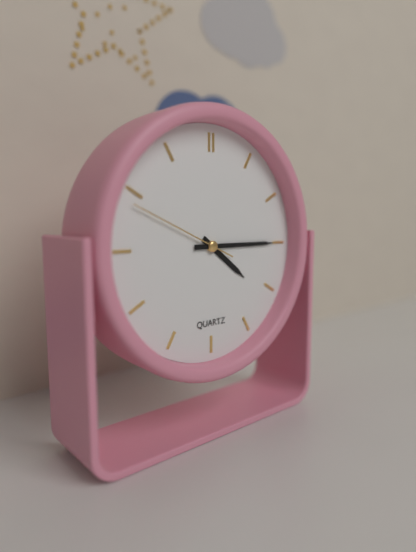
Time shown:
{"hour": 4, "minute": 15, "second": 49}
